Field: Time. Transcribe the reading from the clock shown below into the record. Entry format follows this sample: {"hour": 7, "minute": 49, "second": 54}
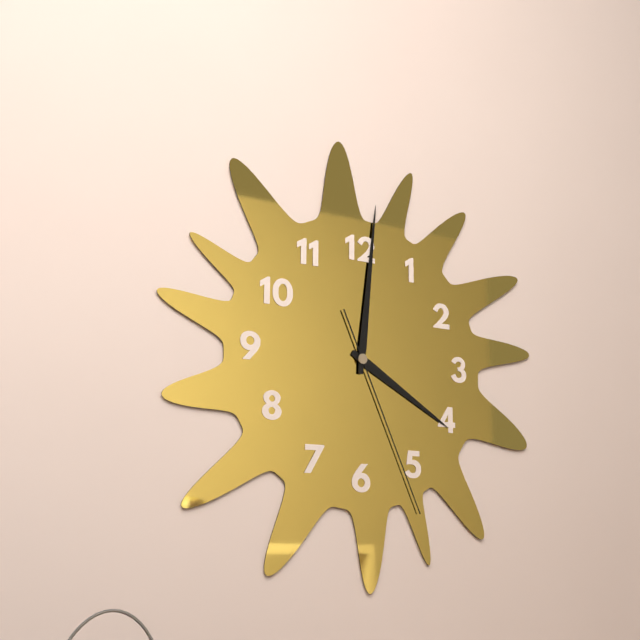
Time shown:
{"hour": 4, "minute": 1, "second": 26}
